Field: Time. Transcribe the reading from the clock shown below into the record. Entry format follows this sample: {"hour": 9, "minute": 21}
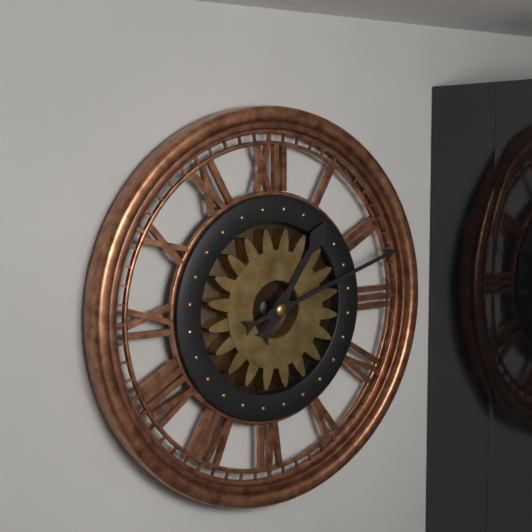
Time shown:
{"hour": 1, "minute": 12}
